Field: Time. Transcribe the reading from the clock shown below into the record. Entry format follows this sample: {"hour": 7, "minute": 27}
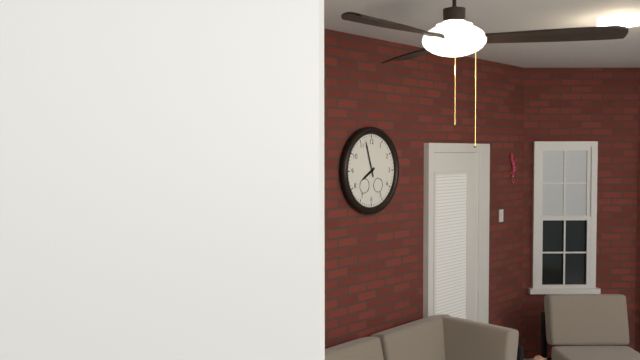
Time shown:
{"hour": 7, "minute": 57}
